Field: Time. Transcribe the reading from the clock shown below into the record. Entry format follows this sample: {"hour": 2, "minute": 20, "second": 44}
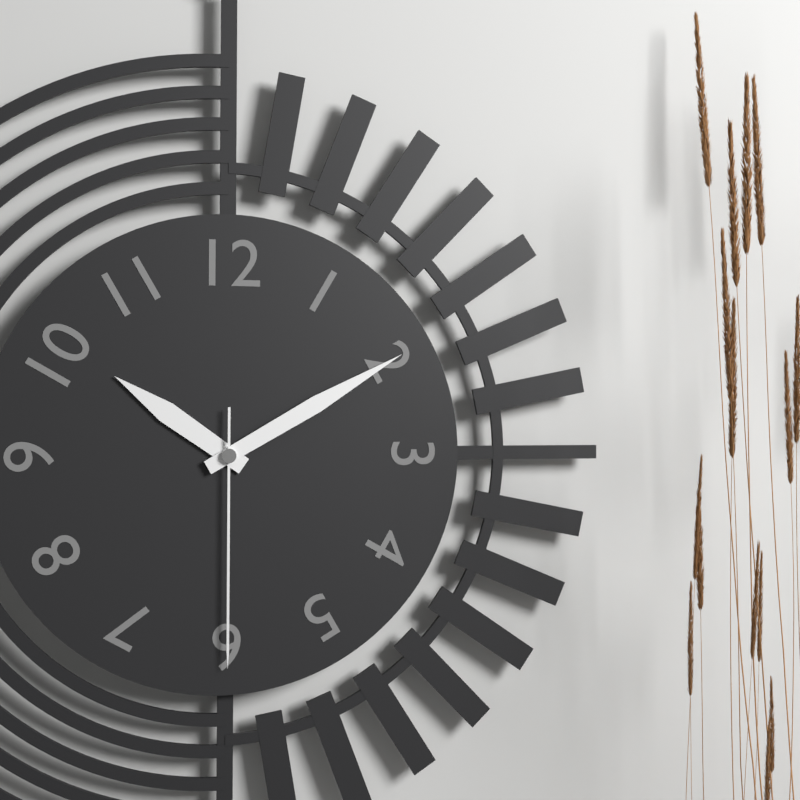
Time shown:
{"hour": 10, "minute": 10, "second": 30}
